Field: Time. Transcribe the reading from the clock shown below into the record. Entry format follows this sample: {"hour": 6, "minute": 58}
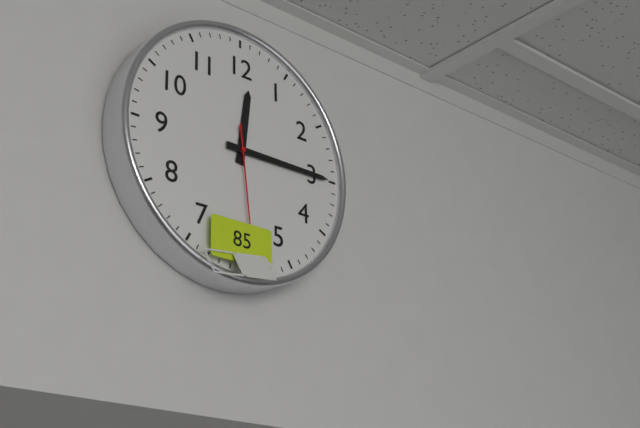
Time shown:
{"hour": 12, "minute": 15}
